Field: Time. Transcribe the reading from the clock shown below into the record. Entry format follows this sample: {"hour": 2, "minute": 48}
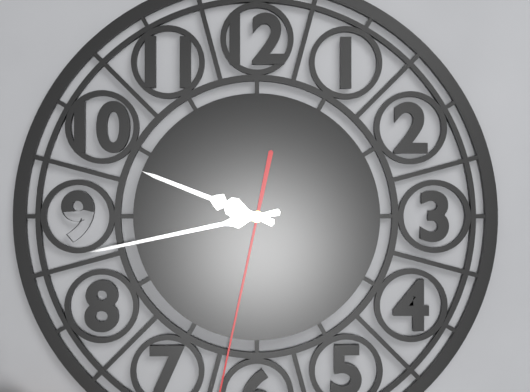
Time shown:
{"hour": 9, "minute": 43}
